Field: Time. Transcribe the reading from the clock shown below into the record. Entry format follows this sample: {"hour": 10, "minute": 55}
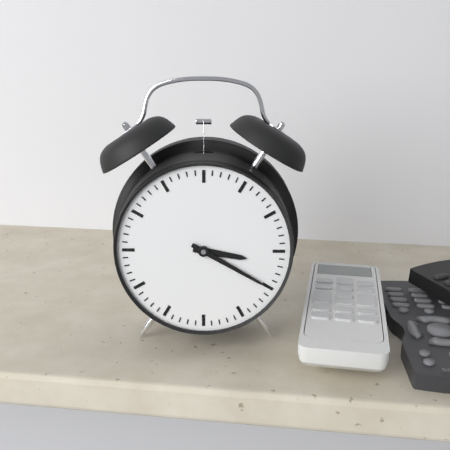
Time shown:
{"hour": 3, "minute": 20}
